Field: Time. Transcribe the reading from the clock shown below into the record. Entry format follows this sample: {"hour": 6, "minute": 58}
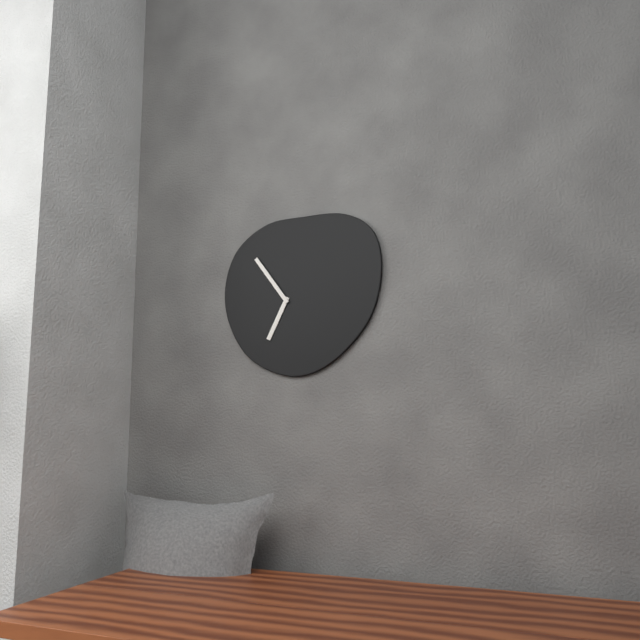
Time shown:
{"hour": 6, "minute": 54}
